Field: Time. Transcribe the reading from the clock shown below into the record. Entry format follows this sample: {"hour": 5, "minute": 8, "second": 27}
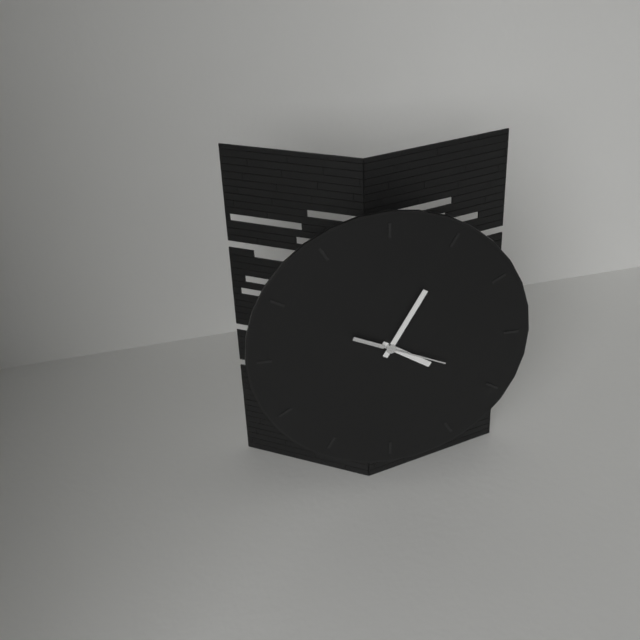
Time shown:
{"hour": 4, "minute": 5, "second": 19}
